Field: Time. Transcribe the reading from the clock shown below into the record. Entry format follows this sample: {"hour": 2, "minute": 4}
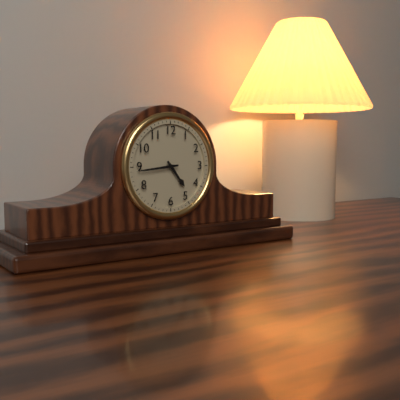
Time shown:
{"hour": 4, "minute": 44}
